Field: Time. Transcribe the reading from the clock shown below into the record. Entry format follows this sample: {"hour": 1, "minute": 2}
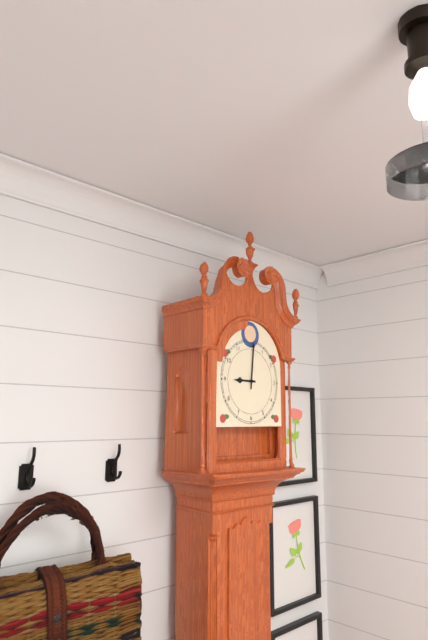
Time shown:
{"hour": 9, "minute": 1}
